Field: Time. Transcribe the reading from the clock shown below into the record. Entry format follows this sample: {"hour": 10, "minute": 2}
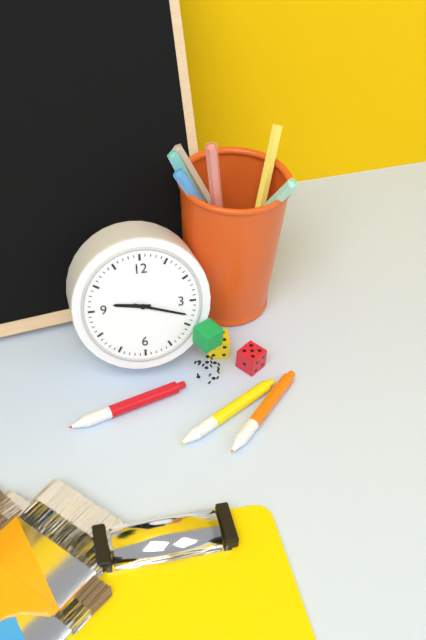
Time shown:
{"hour": 9, "minute": 18}
